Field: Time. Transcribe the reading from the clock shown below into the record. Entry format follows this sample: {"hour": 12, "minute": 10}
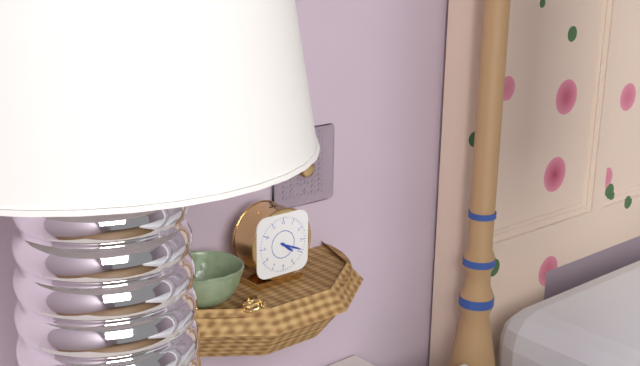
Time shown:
{"hour": 4, "minute": 19}
